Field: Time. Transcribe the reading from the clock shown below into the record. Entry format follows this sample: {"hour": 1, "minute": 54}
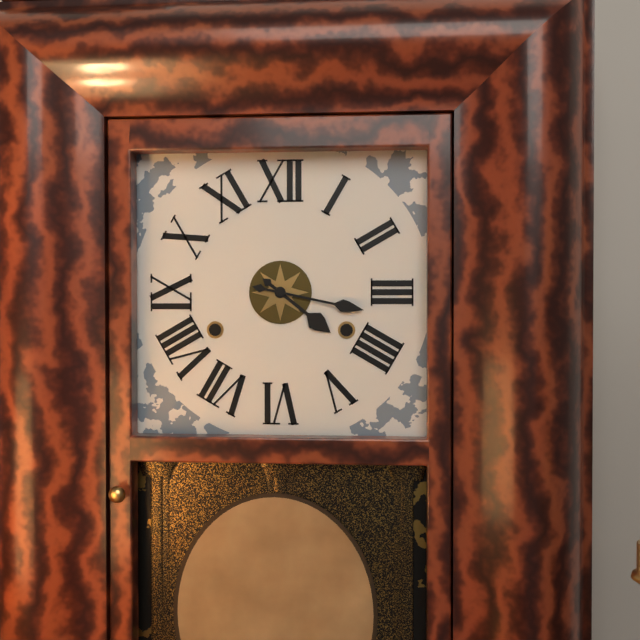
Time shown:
{"hour": 4, "minute": 17}
